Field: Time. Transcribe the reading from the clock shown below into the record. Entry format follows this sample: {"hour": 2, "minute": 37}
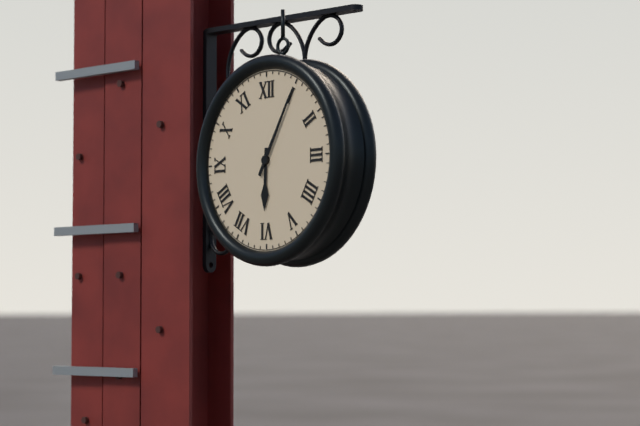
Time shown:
{"hour": 6, "minute": 5}
